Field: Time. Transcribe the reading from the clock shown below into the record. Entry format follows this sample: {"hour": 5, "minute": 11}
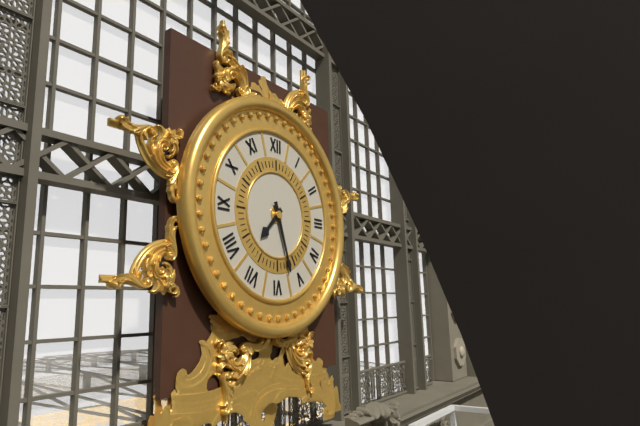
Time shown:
{"hour": 7, "minute": 27}
